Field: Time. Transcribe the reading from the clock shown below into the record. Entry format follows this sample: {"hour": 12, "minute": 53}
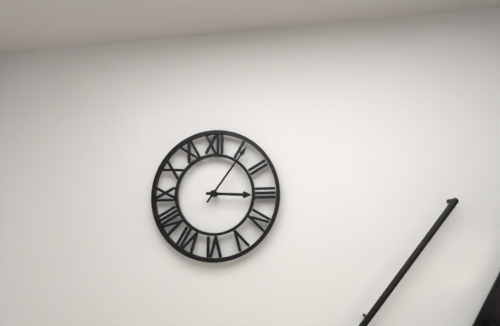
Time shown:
{"hour": 3, "minute": 6}
